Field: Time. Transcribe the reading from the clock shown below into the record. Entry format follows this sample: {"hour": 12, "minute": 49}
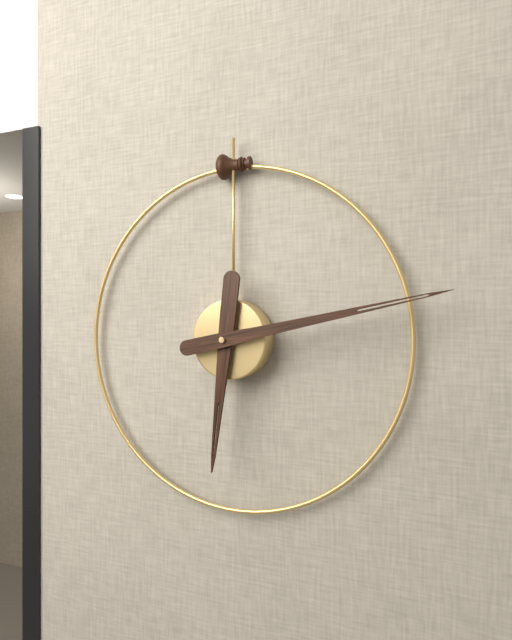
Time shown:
{"hour": 6, "minute": 13}
